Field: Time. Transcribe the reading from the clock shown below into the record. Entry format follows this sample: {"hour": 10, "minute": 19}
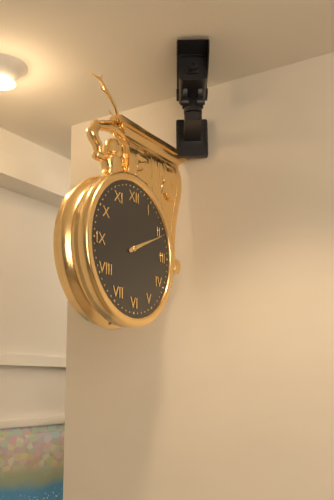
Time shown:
{"hour": 2, "minute": 11}
